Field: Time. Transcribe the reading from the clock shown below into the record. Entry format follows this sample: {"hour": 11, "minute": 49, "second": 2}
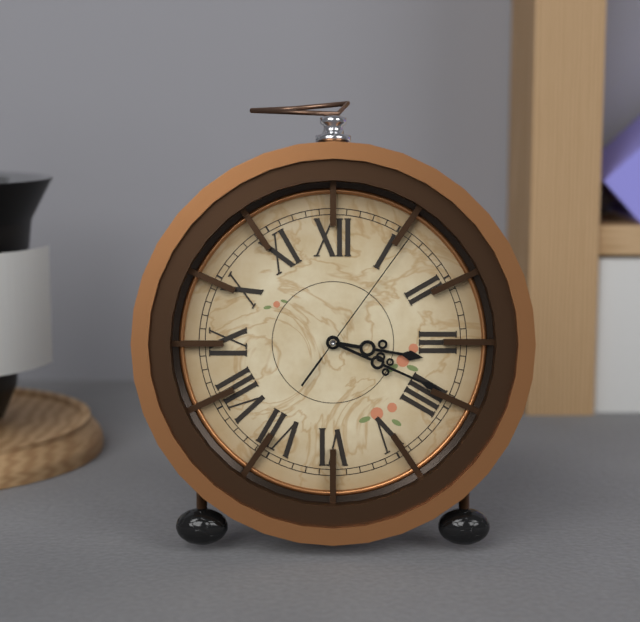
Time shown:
{"hour": 3, "minute": 19, "second": 6}
